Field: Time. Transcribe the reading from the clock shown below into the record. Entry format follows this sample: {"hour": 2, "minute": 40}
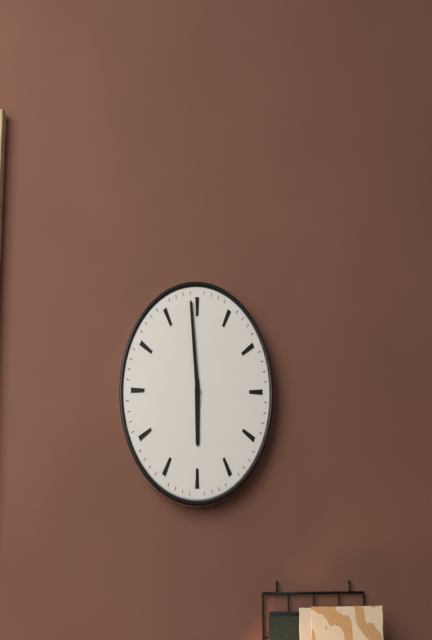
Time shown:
{"hour": 5, "minute": 59}
